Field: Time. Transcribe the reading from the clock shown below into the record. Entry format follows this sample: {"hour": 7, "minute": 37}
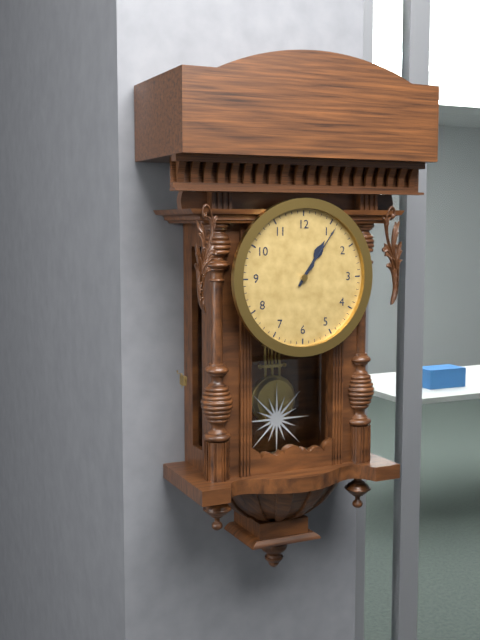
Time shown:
{"hour": 1, "minute": 6}
